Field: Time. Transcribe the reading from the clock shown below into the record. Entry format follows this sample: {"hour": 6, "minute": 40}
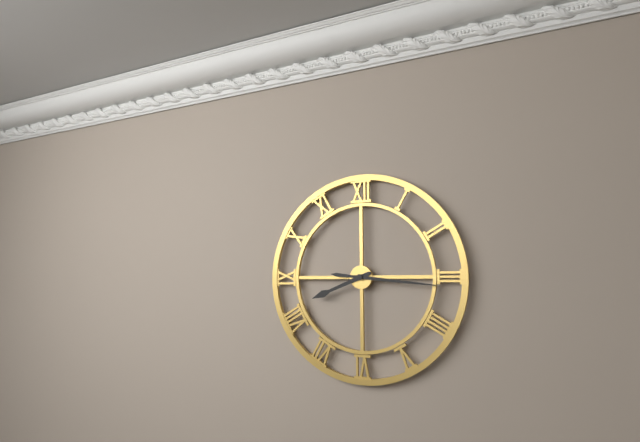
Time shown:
{"hour": 8, "minute": 16}
